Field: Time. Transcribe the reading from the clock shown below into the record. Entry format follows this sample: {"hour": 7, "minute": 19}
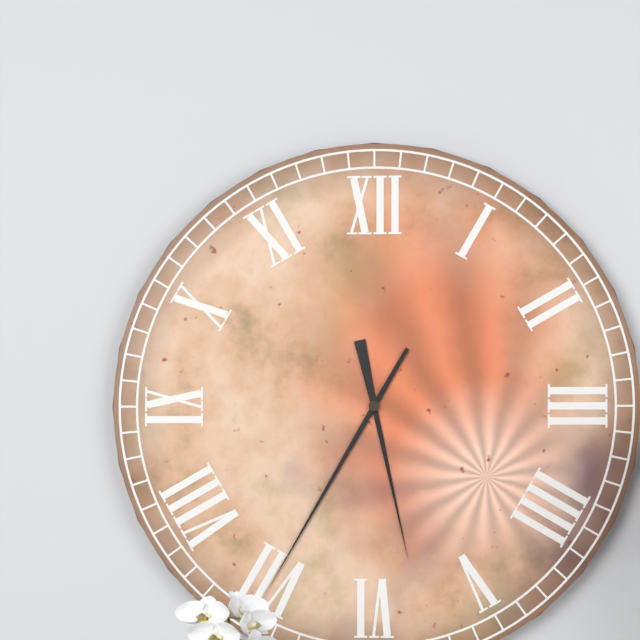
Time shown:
{"hour": 5, "minute": 35}
